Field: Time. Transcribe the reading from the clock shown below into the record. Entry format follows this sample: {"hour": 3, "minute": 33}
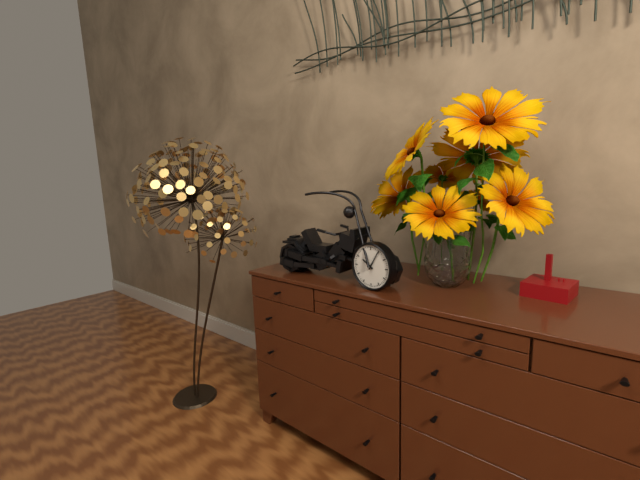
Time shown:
{"hour": 10, "minute": 5}
